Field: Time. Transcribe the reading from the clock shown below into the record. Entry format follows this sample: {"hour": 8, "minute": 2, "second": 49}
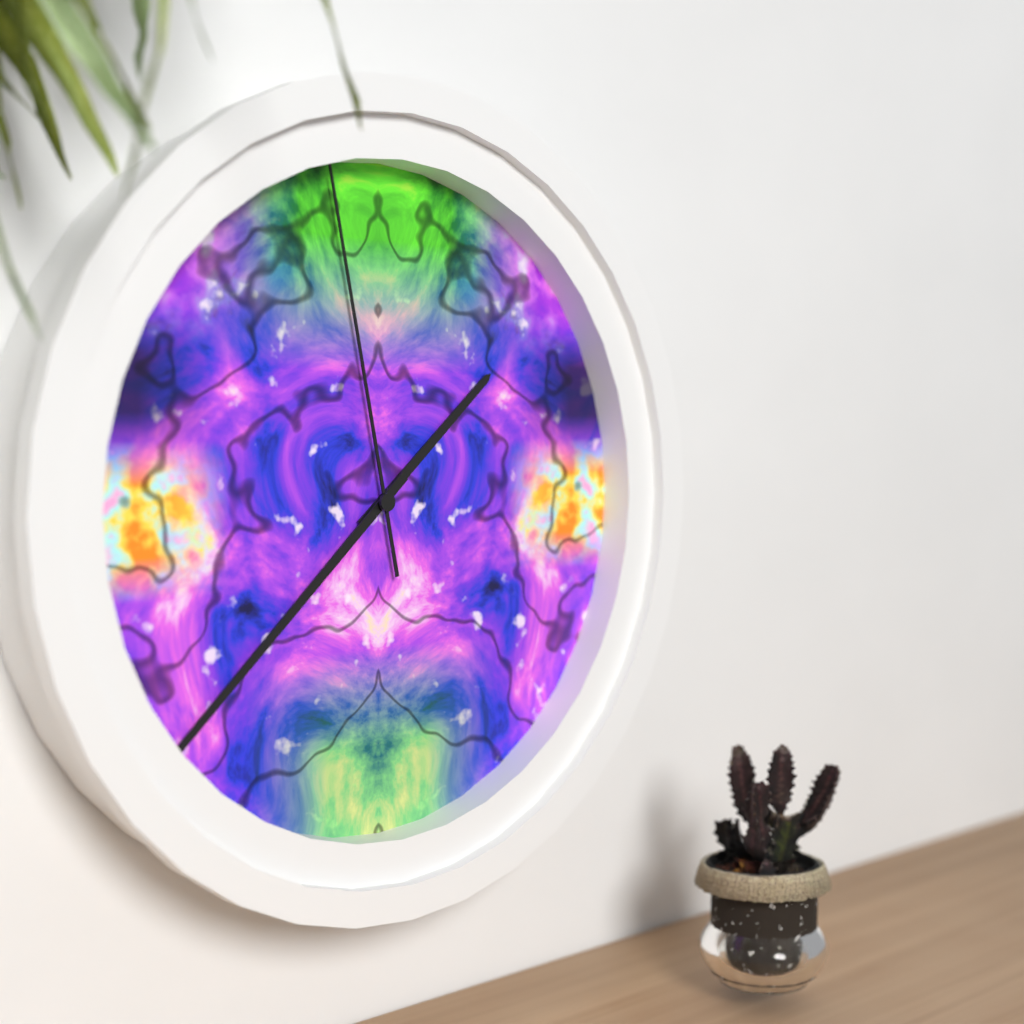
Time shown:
{"hour": 1, "minute": 38, "second": 58}
